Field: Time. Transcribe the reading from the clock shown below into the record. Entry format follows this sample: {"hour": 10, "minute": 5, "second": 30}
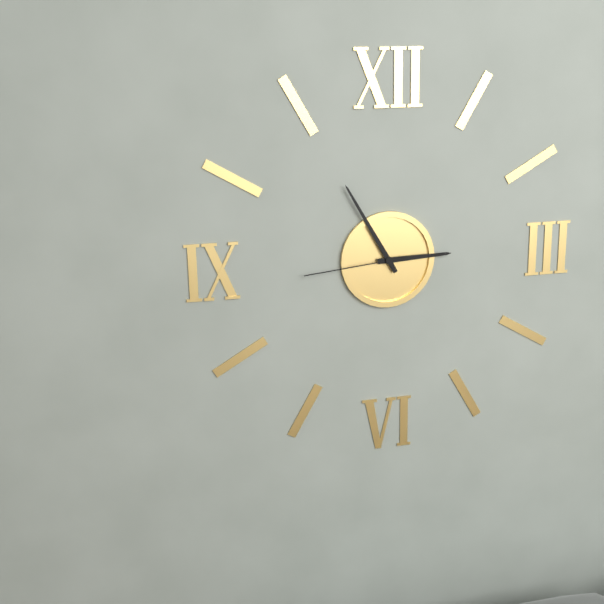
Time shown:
{"hour": 2, "minute": 55, "second": 44}
